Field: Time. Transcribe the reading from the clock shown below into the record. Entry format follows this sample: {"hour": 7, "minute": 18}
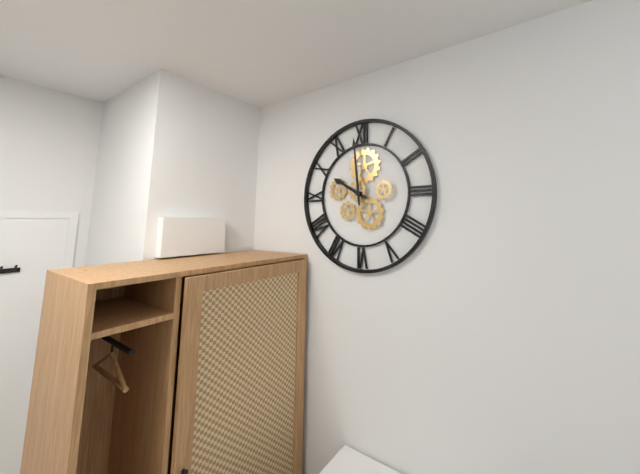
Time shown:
{"hour": 9, "minute": 59}
